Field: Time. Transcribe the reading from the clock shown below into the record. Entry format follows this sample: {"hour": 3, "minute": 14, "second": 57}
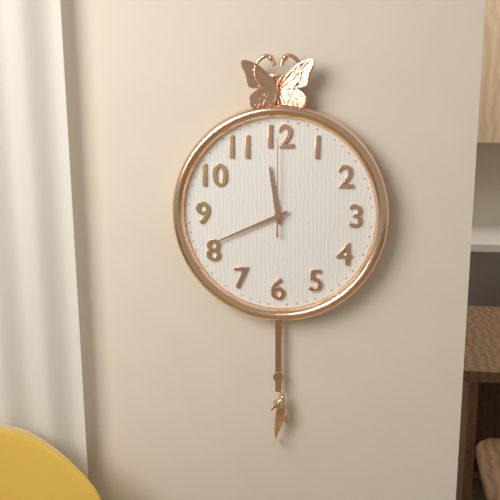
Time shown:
{"hour": 11, "minute": 41, "second": 0}
